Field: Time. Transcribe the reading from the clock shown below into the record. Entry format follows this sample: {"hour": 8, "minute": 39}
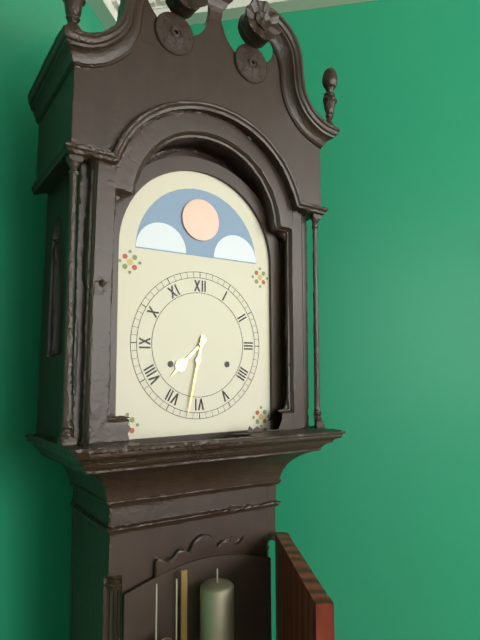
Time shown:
{"hour": 7, "minute": 32}
